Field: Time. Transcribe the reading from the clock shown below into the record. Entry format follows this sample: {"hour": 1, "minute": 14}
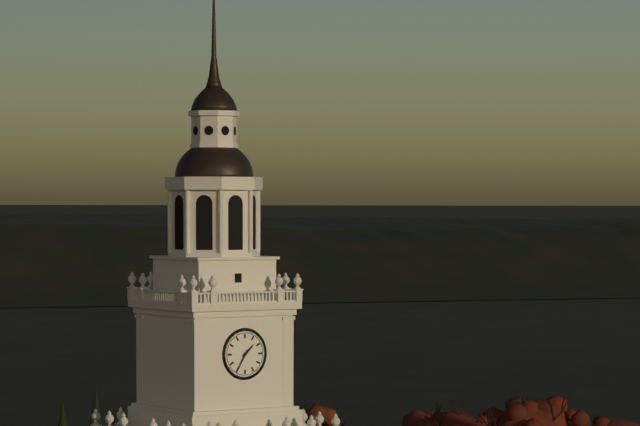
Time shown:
{"hour": 1, "minute": 35}
